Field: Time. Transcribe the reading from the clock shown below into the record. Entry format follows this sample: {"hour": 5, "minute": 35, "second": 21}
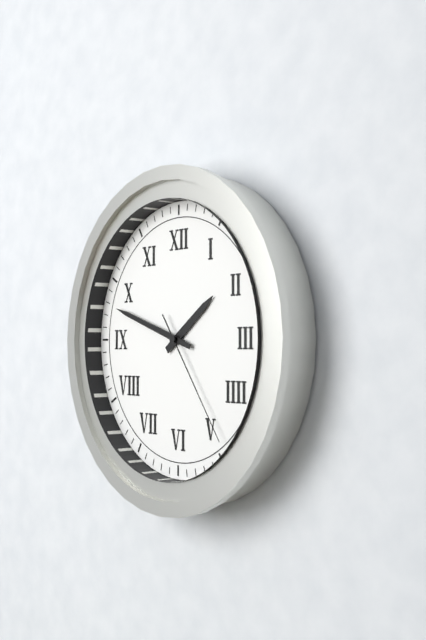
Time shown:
{"hour": 1, "minute": 48, "second": 24}
